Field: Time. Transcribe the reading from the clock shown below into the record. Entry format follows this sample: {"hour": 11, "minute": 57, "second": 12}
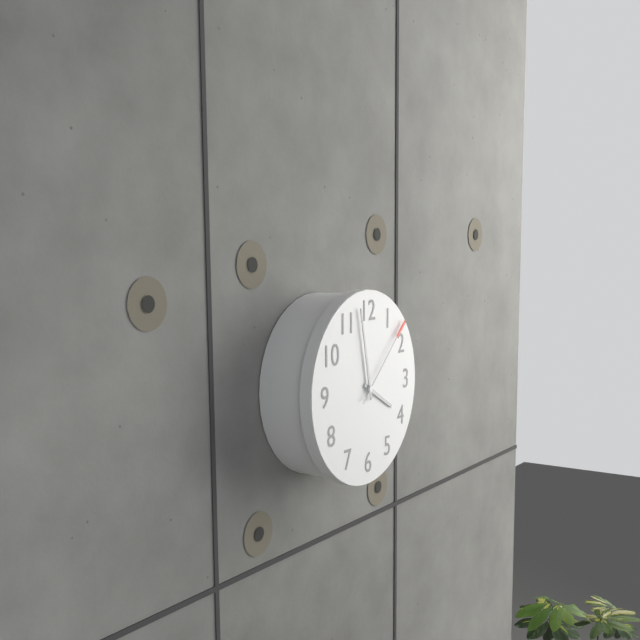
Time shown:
{"hour": 3, "minute": 58, "second": 8}
